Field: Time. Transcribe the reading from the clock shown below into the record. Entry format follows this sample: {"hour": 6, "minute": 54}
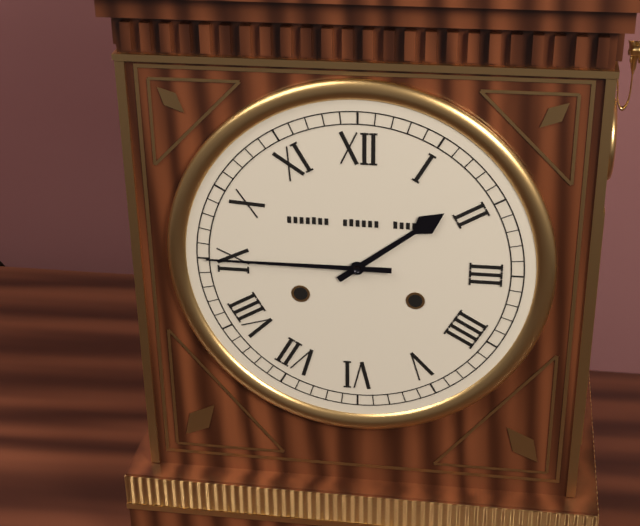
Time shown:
{"hour": 1, "minute": 45}
